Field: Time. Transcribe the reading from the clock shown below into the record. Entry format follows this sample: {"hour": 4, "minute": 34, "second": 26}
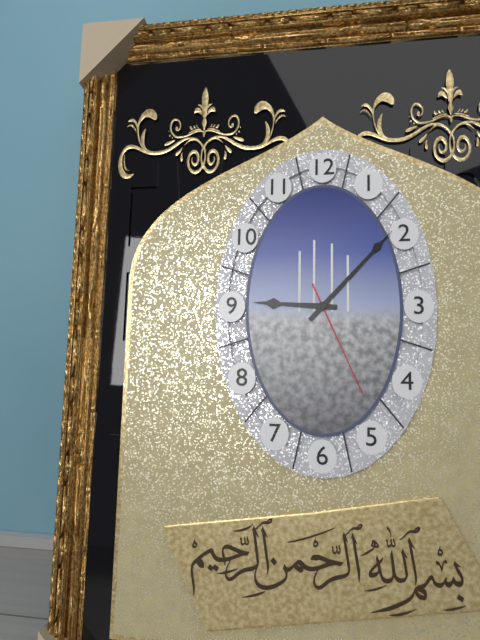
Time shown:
{"hour": 9, "minute": 7, "second": 26}
